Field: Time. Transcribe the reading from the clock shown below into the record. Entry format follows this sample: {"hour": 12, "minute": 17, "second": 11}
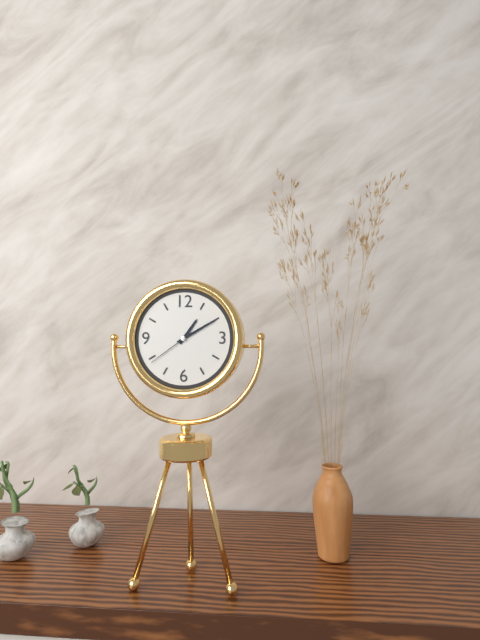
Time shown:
{"hour": 1, "minute": 10, "second": 39}
